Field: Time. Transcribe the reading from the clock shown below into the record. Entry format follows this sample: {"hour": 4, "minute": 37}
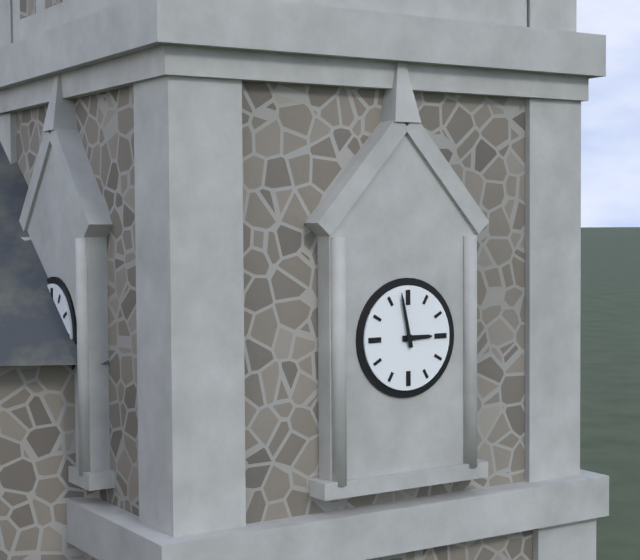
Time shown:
{"hour": 2, "minute": 58}
